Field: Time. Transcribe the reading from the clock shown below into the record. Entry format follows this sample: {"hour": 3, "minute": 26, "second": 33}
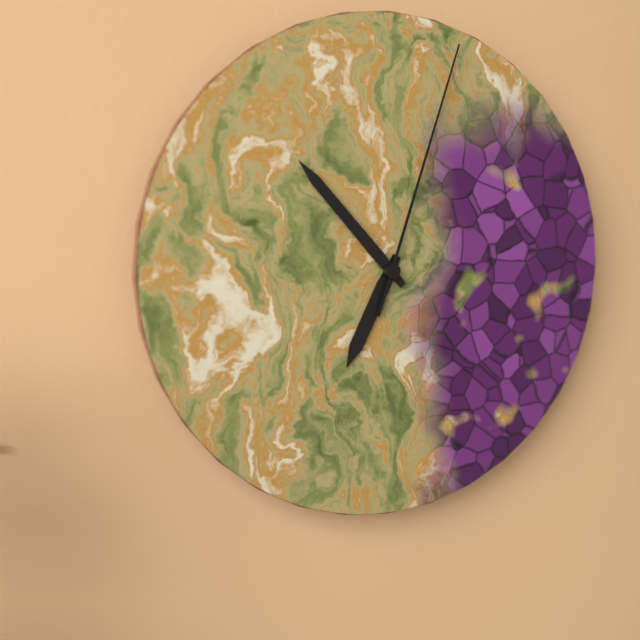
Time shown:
{"hour": 6, "minute": 53, "second": 3}
